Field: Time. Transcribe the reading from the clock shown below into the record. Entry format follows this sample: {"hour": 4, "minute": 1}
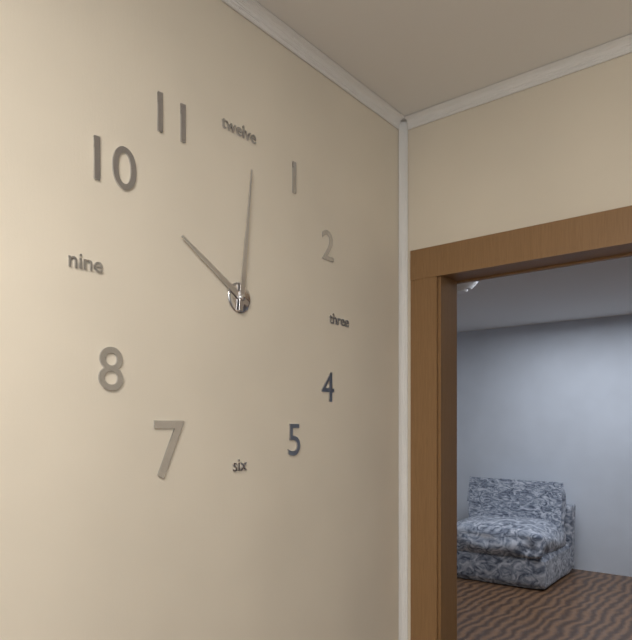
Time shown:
{"hour": 10, "minute": 1}
